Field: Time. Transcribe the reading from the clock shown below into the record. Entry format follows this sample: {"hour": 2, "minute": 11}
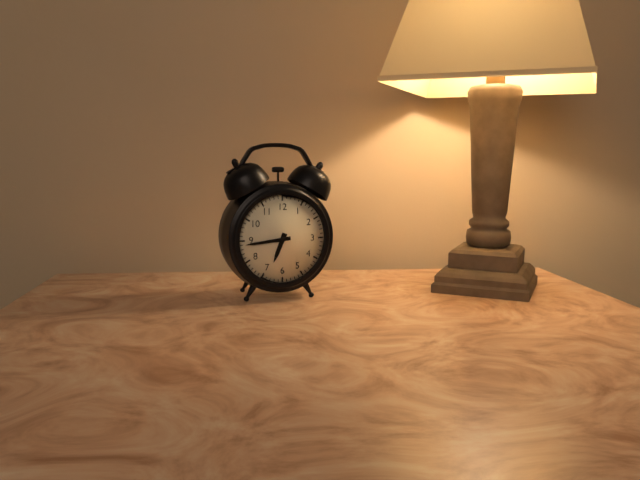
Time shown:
{"hour": 6, "minute": 44}
